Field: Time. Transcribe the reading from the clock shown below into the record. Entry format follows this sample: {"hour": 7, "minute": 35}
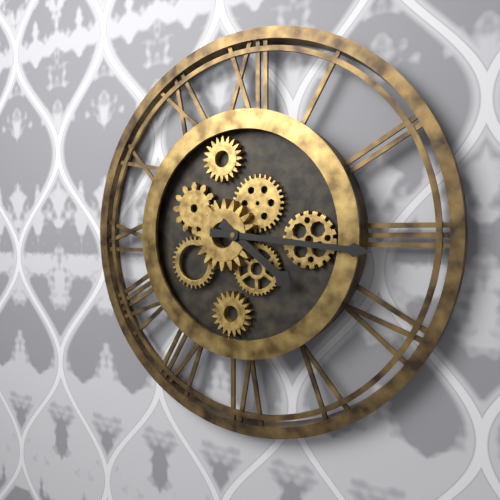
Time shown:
{"hour": 4, "minute": 16}
